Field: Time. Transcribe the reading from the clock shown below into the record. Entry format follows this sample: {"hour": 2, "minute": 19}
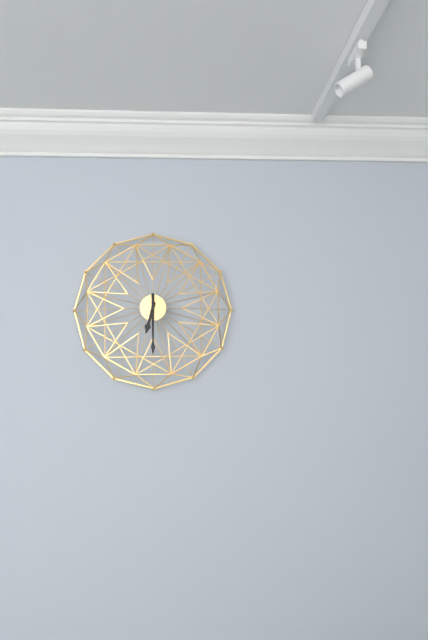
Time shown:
{"hour": 6, "minute": 30}
